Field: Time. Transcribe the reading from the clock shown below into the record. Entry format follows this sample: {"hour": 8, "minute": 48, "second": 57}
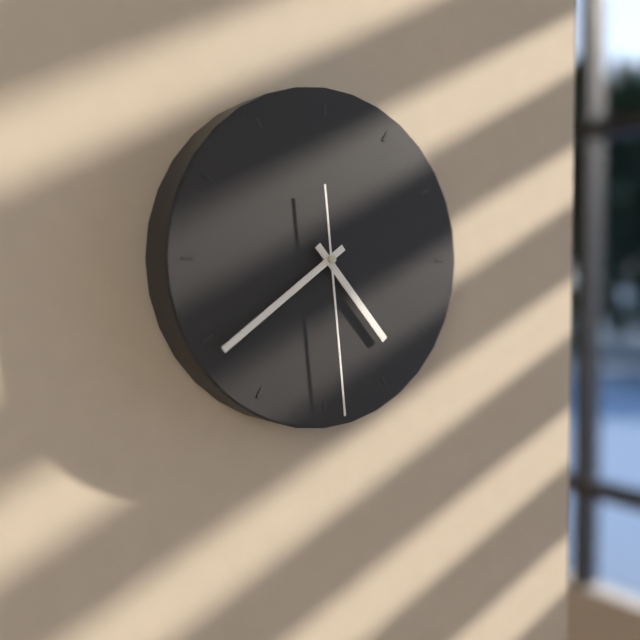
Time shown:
{"hour": 4, "minute": 39, "second": 29}
